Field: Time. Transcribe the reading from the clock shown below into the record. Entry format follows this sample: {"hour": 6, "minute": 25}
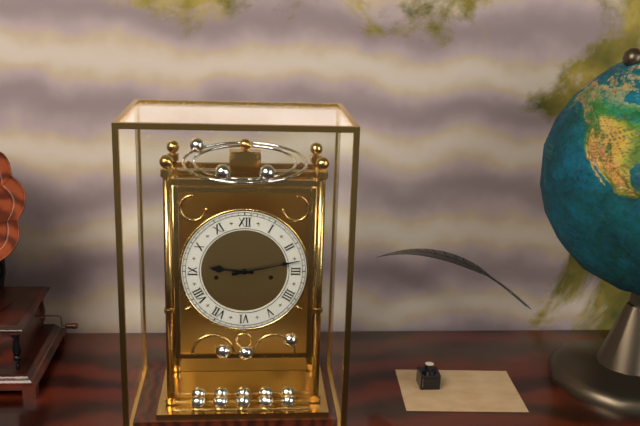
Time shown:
{"hour": 9, "minute": 13}
